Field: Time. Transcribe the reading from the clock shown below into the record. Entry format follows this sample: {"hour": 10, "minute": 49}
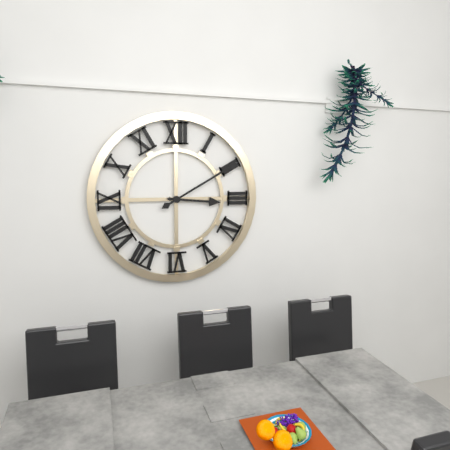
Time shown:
{"hour": 3, "minute": 10}
